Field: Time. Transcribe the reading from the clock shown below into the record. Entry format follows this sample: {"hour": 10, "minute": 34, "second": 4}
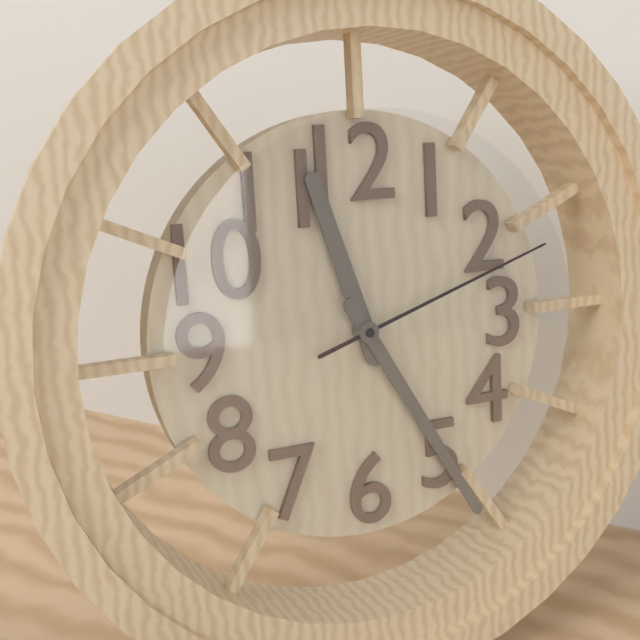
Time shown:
{"hour": 11, "minute": 25, "second": 12}
